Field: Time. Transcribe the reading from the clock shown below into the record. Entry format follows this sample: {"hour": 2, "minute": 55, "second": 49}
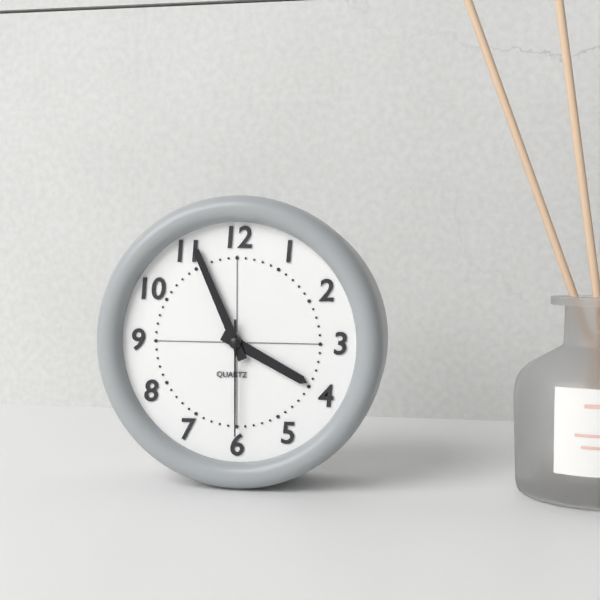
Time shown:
{"hour": 3, "minute": 56, "second": 30}
